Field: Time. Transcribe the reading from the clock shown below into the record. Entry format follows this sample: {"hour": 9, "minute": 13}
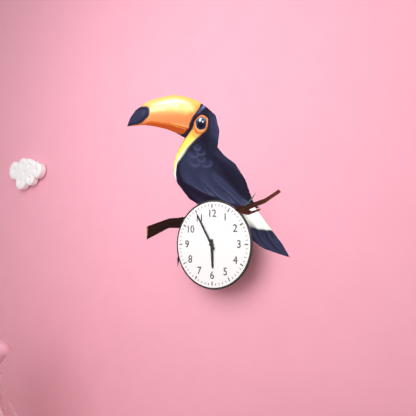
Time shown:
{"hour": 5, "minute": 55}
